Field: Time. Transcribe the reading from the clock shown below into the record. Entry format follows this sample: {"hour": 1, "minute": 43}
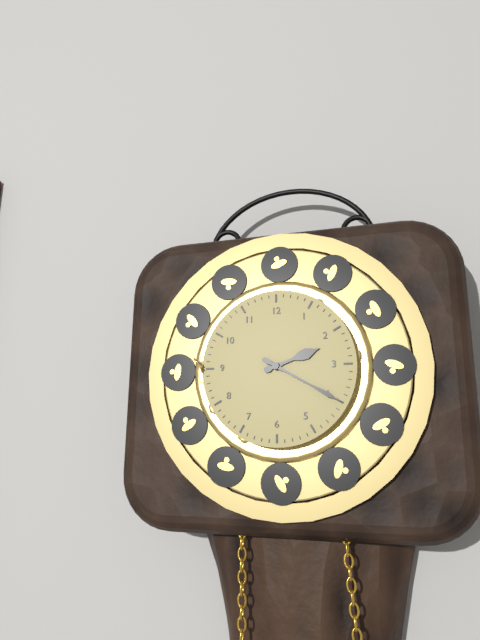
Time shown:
{"hour": 2, "minute": 20}
